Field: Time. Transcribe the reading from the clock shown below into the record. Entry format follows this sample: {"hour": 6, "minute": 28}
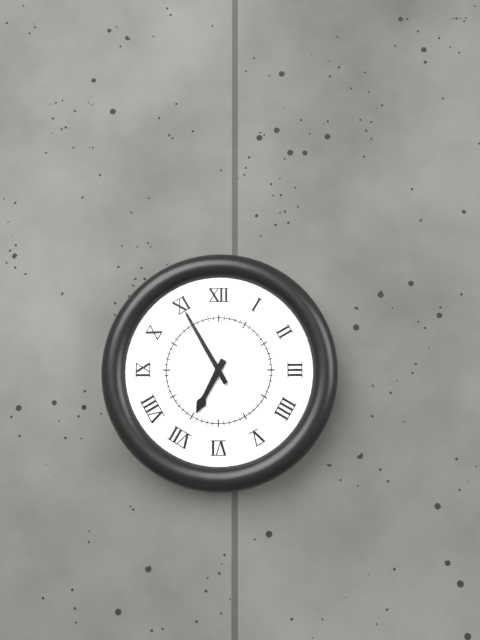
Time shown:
{"hour": 6, "minute": 55}
